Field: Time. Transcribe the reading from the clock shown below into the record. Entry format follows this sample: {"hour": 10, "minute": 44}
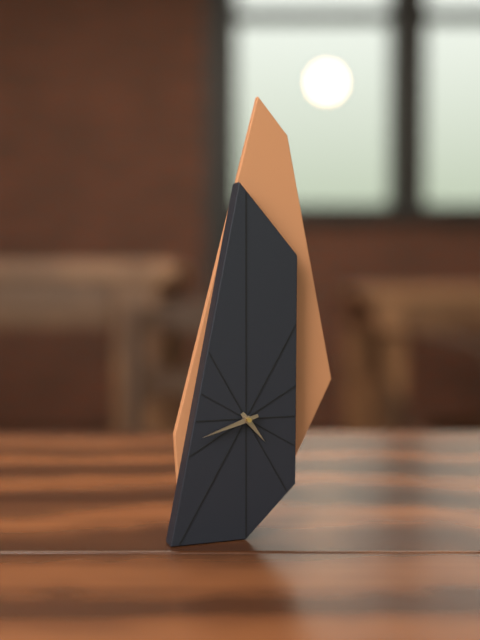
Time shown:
{"hour": 4, "minute": 42}
